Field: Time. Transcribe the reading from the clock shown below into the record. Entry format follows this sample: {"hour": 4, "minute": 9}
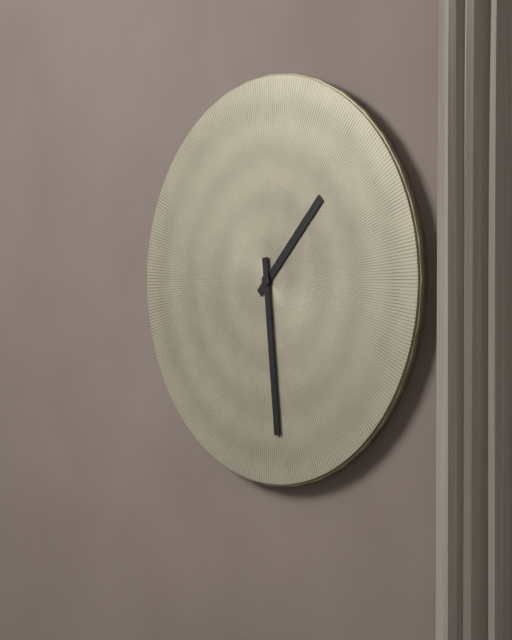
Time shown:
{"hour": 1, "minute": 29}
